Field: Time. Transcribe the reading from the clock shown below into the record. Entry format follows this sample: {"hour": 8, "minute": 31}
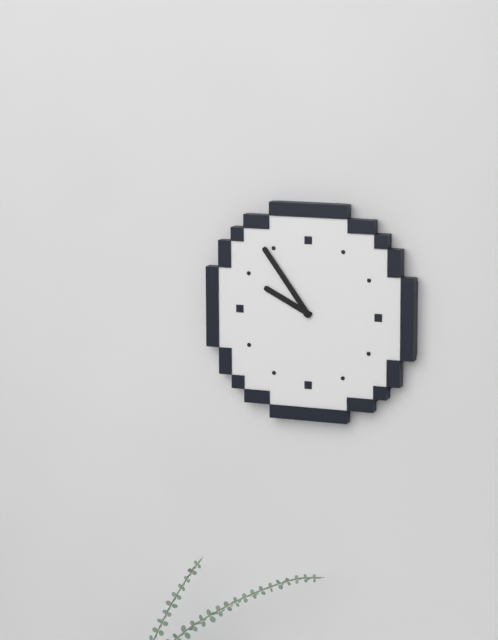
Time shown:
{"hour": 9, "minute": 54}
